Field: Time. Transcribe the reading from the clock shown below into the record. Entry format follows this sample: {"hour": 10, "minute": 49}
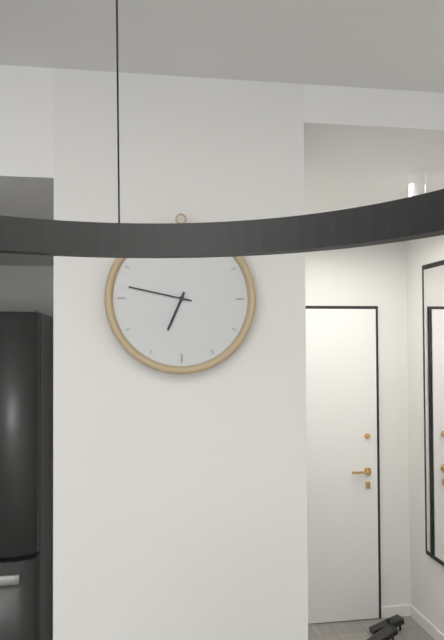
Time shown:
{"hour": 6, "minute": 47}
